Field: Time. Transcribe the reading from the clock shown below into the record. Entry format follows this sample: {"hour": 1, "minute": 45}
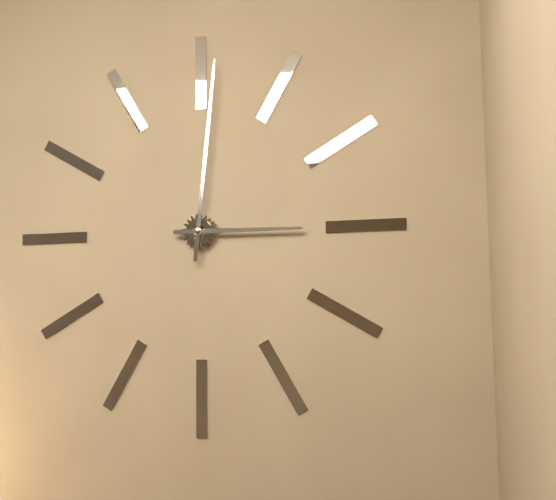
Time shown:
{"hour": 3, "minute": 1}
